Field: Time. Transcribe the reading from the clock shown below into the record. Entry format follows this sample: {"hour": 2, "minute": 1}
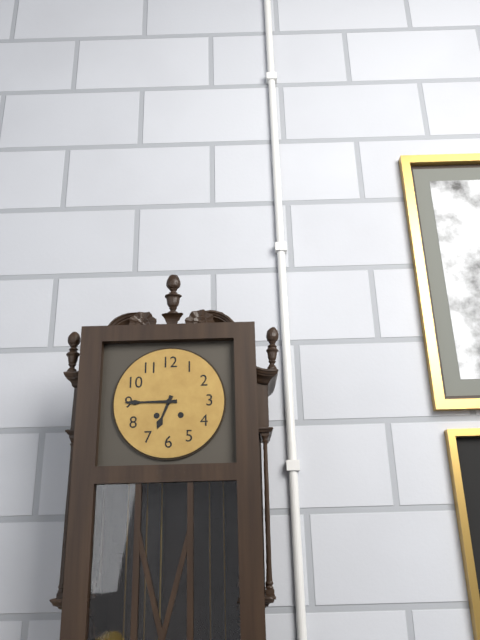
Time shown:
{"hour": 6, "minute": 45}
